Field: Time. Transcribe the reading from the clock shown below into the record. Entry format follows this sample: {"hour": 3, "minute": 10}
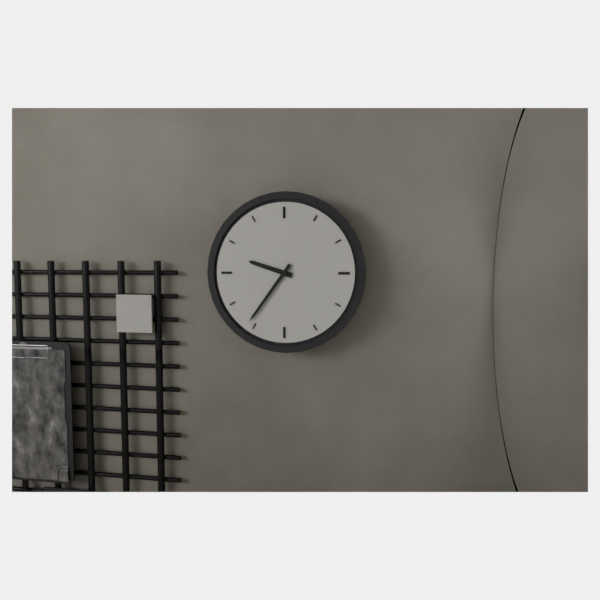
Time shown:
{"hour": 9, "minute": 36}
